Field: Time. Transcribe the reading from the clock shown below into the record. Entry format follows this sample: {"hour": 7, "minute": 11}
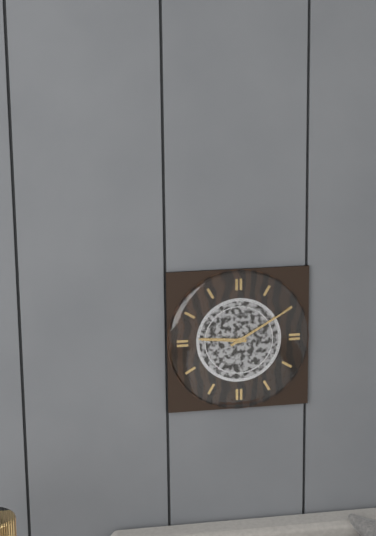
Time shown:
{"hour": 9, "minute": 10}
